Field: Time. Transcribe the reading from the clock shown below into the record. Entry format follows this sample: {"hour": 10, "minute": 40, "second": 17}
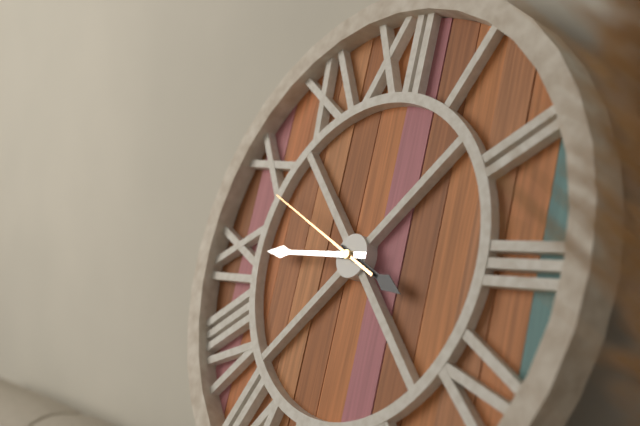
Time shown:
{"hour": 3, "minute": 45, "second": 49}
